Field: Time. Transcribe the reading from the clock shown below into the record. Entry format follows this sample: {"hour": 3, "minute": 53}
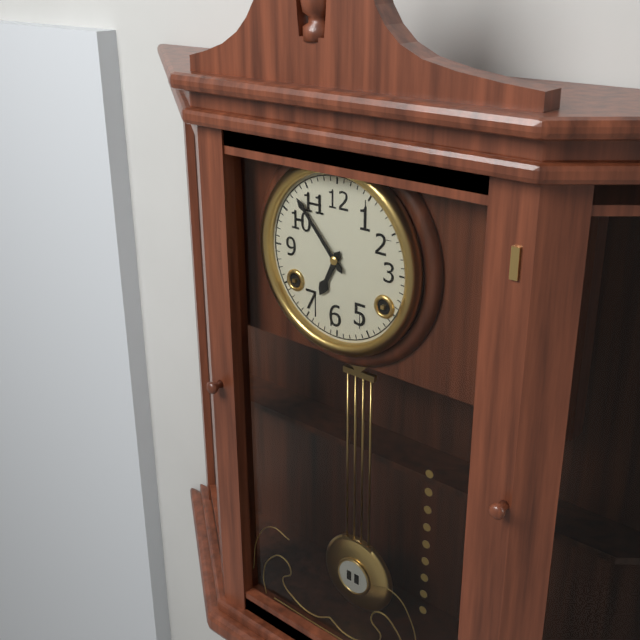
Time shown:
{"hour": 6, "minute": 53}
